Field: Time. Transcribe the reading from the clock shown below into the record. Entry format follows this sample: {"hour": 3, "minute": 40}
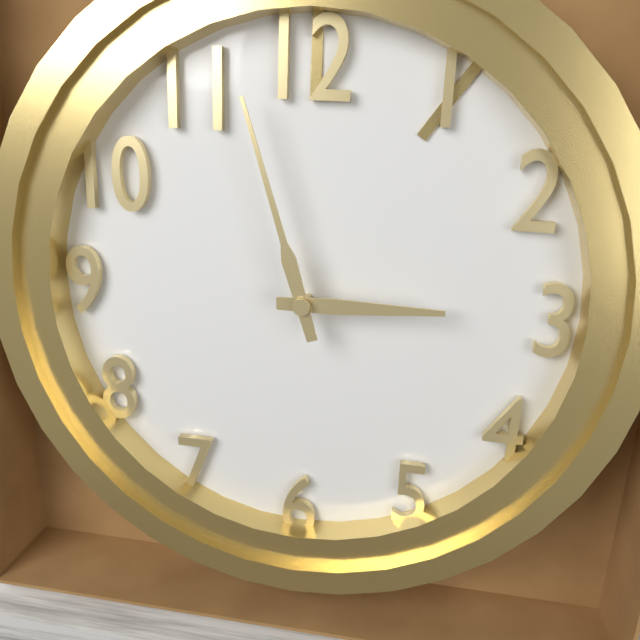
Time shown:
{"hour": 2, "minute": 57}
